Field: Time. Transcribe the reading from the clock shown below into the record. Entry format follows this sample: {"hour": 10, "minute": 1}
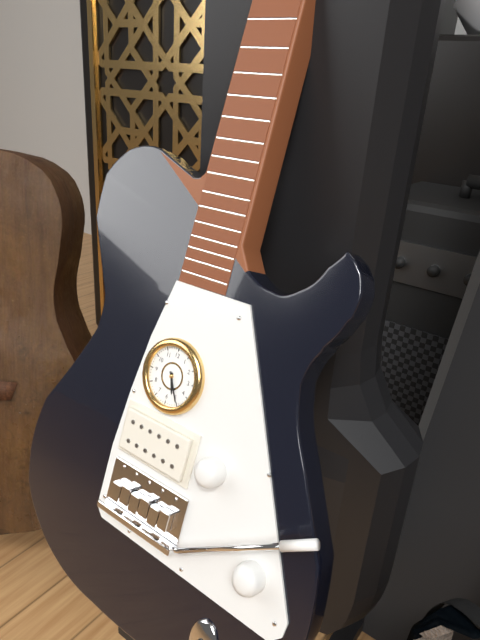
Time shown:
{"hour": 5, "minute": 25}
